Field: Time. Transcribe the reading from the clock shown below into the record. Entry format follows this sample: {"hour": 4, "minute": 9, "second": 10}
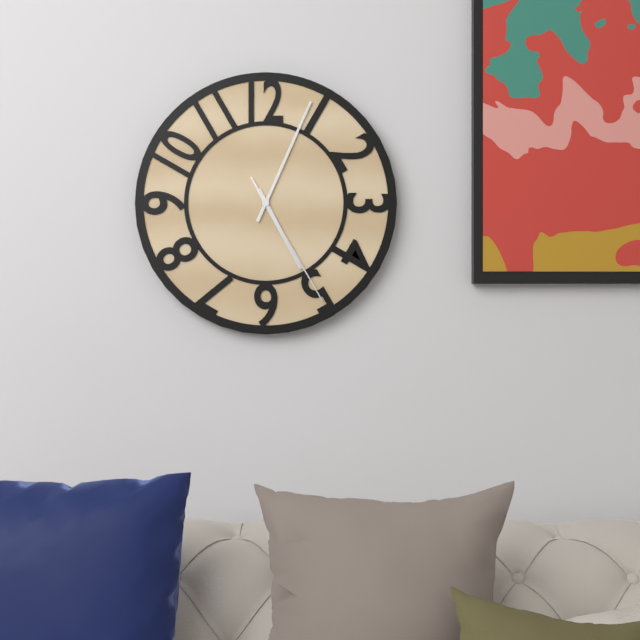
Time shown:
{"hour": 5, "minute": 4, "second": 25}
